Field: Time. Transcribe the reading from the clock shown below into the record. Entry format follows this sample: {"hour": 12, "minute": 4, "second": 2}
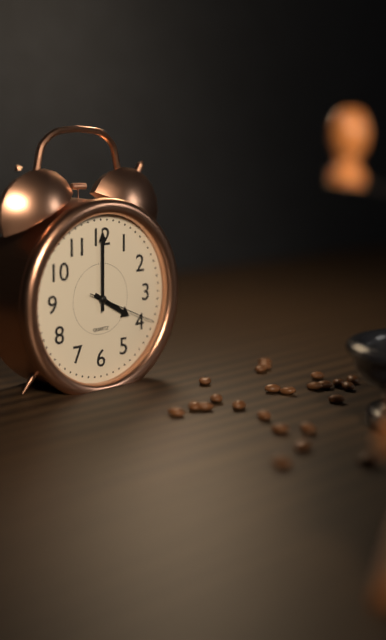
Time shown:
{"hour": 4, "minute": 0, "second": 19}
